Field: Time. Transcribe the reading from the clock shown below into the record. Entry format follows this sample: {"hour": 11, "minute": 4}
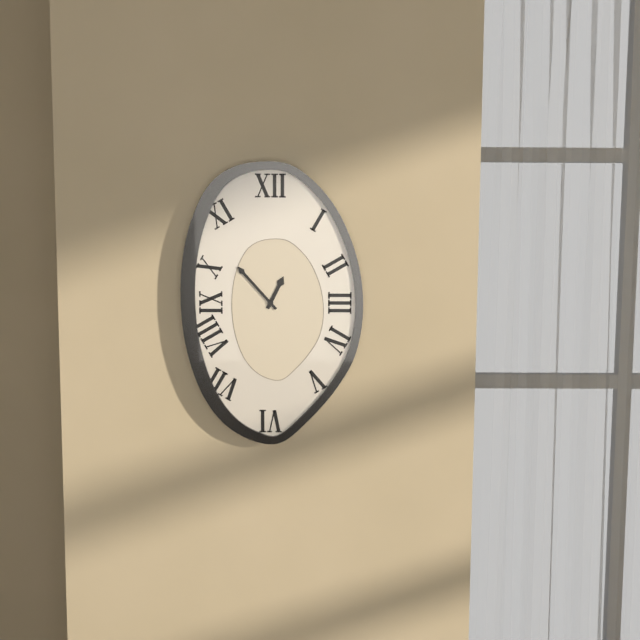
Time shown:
{"hour": 12, "minute": 53}
